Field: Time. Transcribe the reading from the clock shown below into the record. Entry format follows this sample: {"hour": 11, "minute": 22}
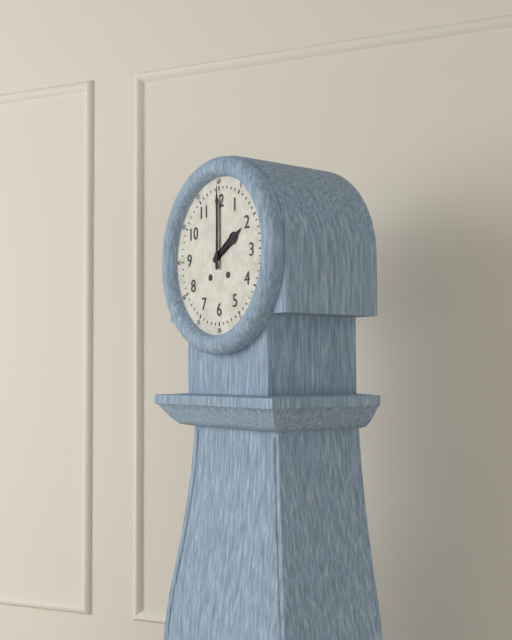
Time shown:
{"hour": 2, "minute": 0}
